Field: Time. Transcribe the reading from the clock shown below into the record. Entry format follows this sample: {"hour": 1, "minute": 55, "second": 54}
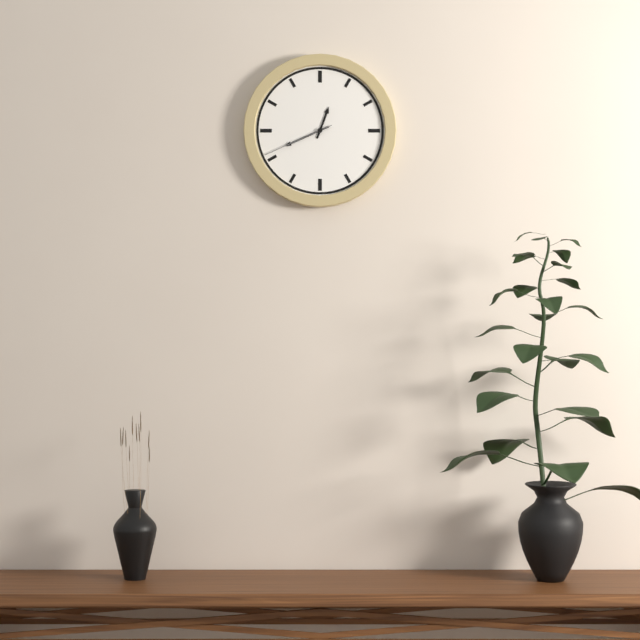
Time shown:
{"hour": 12, "minute": 41, "second": 41}
